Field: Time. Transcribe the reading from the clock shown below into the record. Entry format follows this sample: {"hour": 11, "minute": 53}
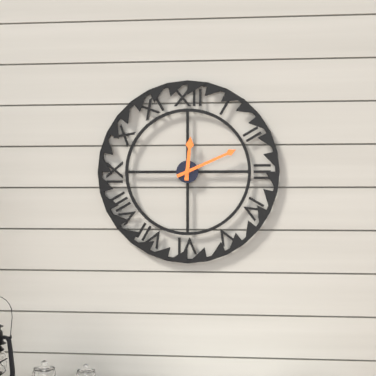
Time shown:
{"hour": 12, "minute": 11}
